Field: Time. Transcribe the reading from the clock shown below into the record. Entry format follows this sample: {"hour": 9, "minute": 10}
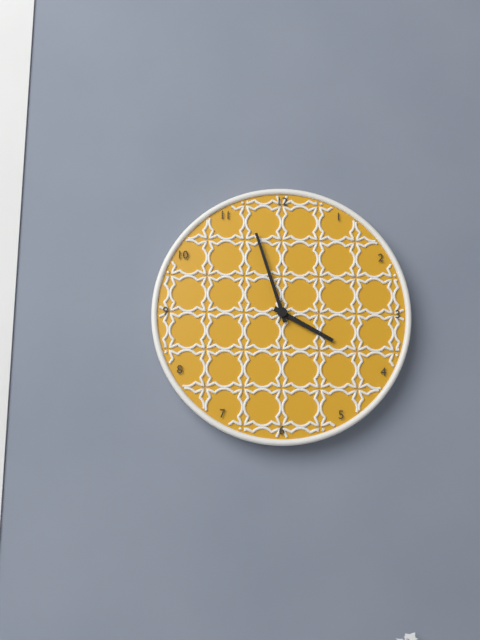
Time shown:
{"hour": 3, "minute": 57}
